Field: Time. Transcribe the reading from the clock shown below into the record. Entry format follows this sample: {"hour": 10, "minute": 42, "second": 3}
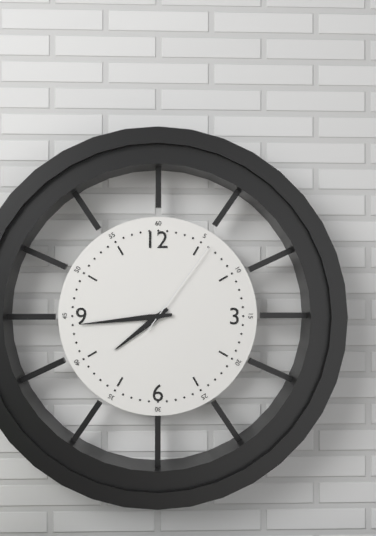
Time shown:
{"hour": 7, "minute": 44, "second": 6}
